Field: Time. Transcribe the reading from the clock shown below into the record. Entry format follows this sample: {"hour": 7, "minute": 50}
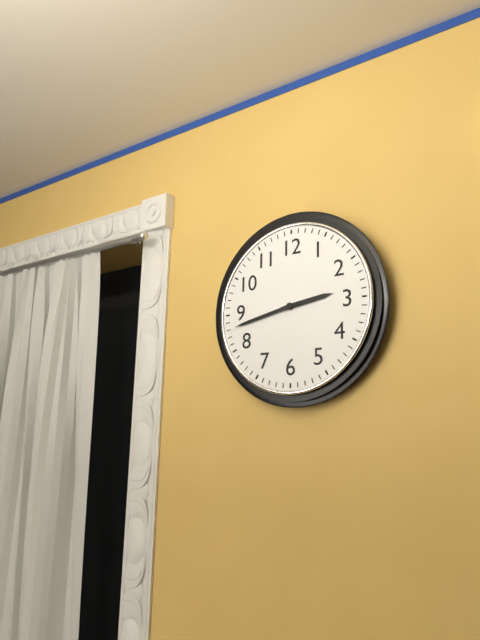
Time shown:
{"hour": 2, "minute": 43}
